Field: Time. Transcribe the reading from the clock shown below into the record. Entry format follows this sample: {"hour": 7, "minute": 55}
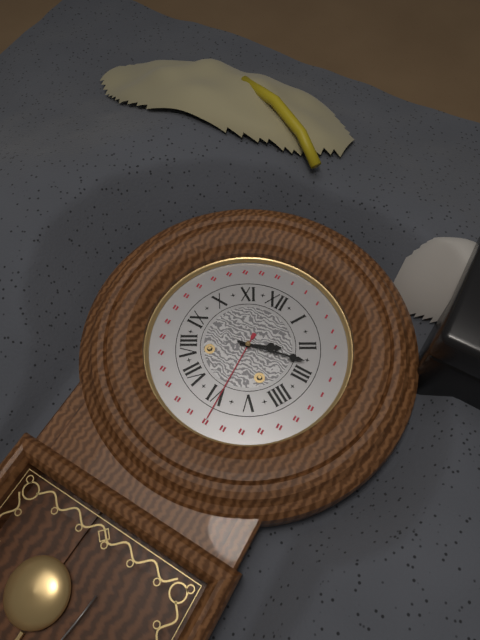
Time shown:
{"hour": 2, "minute": 13}
